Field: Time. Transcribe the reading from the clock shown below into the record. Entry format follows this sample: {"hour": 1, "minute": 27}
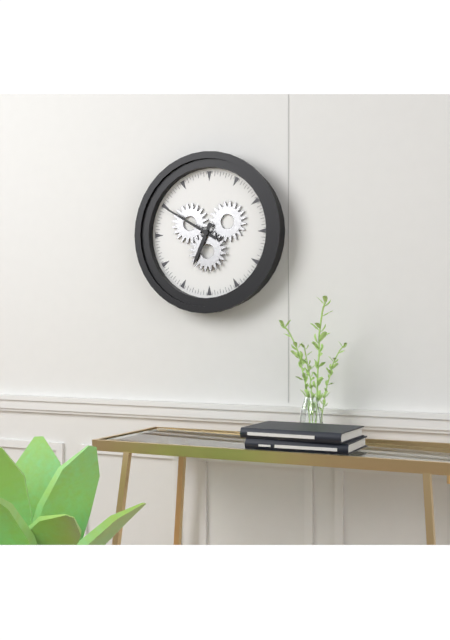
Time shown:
{"hour": 6, "minute": 50}
